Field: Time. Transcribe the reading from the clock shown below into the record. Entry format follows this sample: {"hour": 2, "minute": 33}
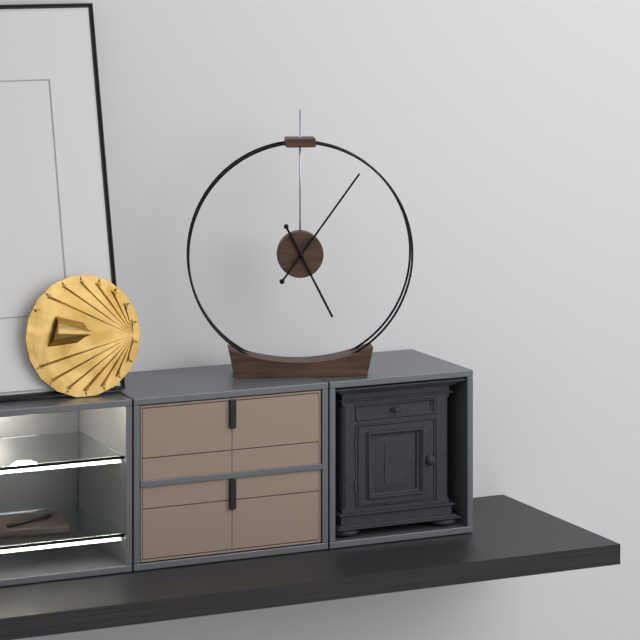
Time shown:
{"hour": 5, "minute": 6}
